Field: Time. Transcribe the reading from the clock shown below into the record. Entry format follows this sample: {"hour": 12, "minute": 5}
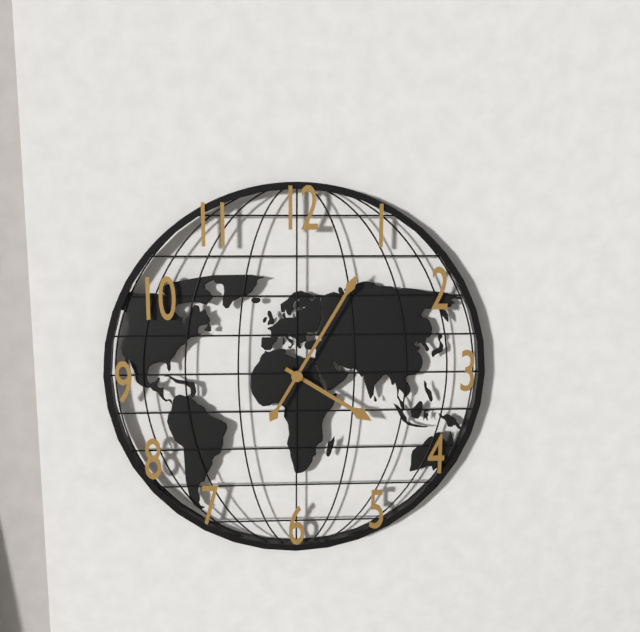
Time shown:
{"hour": 4, "minute": 5}
